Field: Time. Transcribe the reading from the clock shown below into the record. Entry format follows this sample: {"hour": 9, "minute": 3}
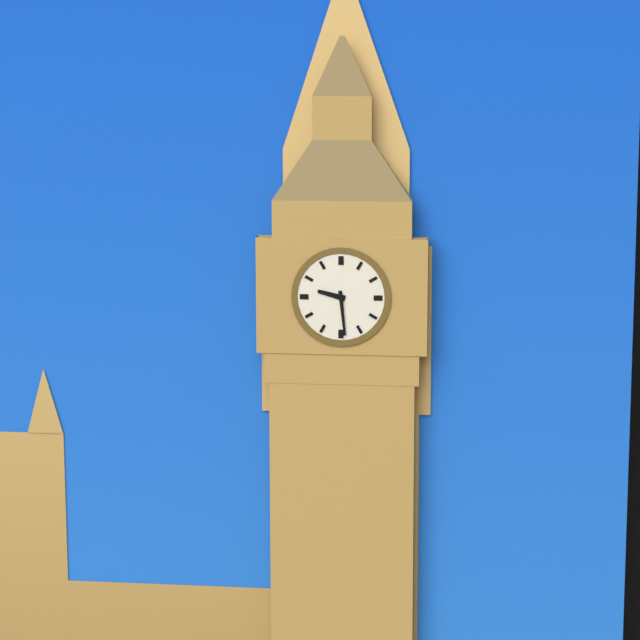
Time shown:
{"hour": 9, "minute": 29}
